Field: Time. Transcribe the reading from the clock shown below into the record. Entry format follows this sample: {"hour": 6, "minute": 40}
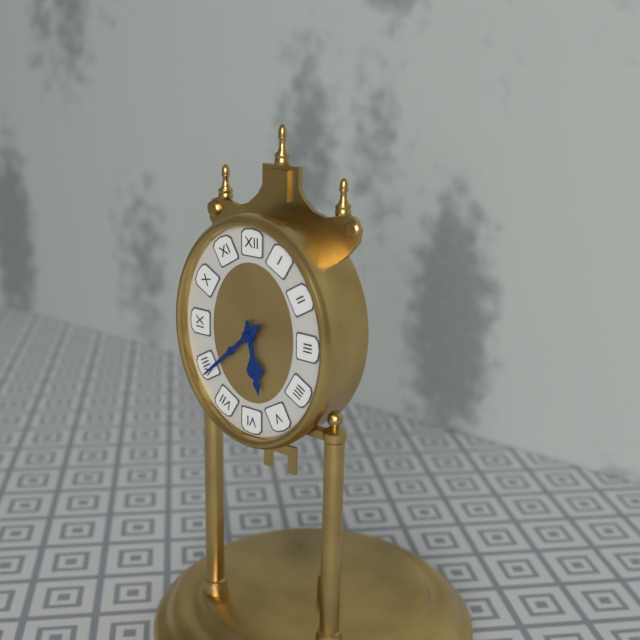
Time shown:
{"hour": 5, "minute": 38}
